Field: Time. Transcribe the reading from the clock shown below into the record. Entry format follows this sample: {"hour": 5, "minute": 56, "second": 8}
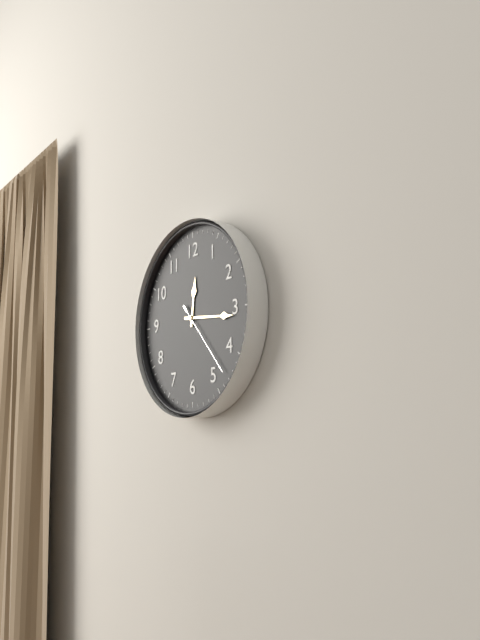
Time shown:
{"hour": 12, "minute": 16, "second": 23}
